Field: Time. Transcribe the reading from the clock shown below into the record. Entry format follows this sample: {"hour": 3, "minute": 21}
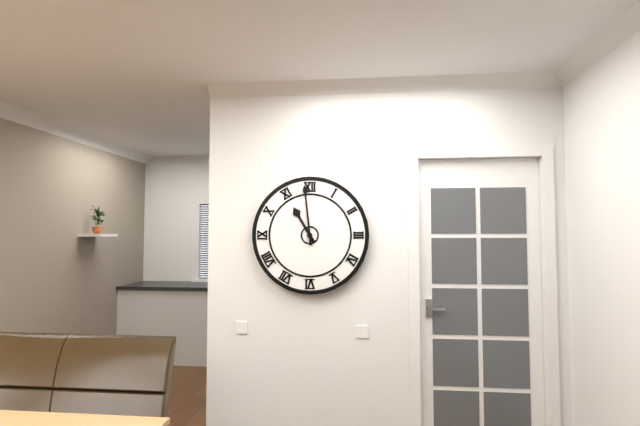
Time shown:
{"hour": 10, "minute": 59}
